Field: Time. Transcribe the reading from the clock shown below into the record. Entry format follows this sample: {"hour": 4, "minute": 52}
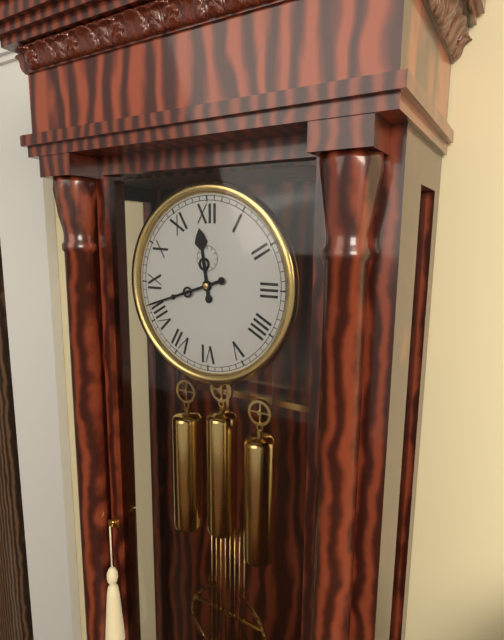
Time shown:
{"hour": 11, "minute": 42}
